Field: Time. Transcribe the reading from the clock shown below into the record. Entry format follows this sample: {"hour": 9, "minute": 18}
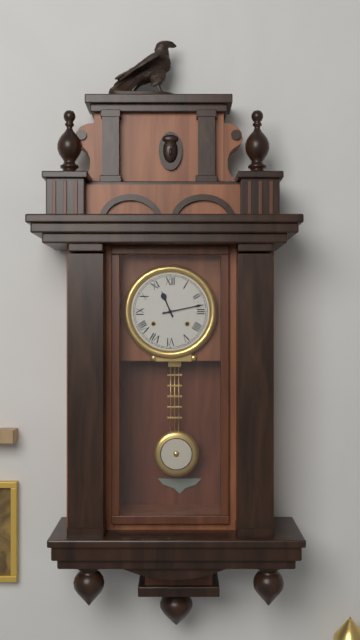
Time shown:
{"hour": 11, "minute": 13}
